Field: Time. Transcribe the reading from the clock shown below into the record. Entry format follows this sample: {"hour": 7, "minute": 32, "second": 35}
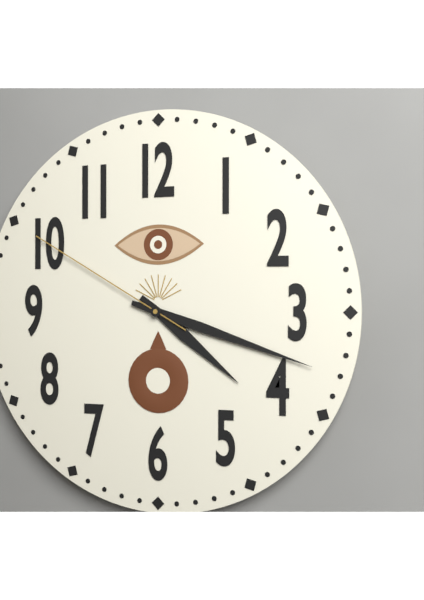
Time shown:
{"hour": 4, "minute": 18, "second": 50}
